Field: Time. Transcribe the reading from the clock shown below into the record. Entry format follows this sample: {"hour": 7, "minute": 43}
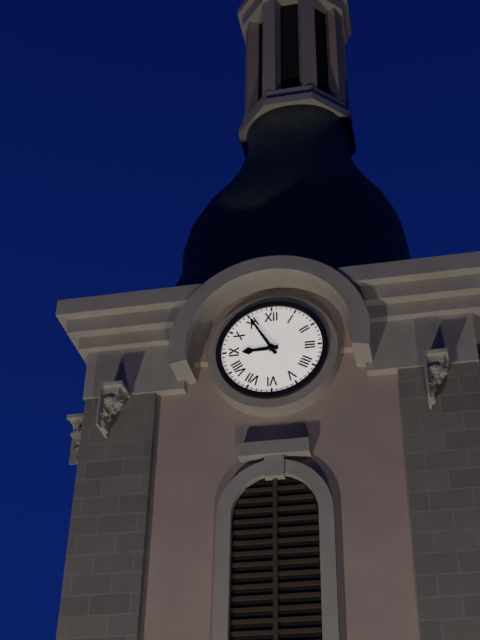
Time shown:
{"hour": 8, "minute": 55}
